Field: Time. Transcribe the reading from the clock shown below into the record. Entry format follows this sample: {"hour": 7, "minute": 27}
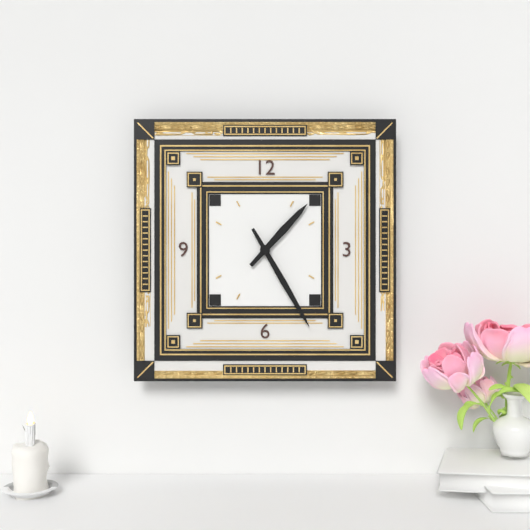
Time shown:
{"hour": 1, "minute": 25}
